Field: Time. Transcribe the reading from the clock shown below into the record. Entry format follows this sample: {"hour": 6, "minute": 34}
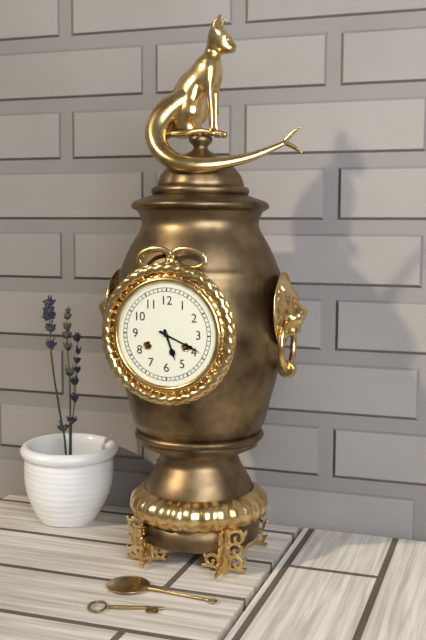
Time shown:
{"hour": 5, "minute": 19}
